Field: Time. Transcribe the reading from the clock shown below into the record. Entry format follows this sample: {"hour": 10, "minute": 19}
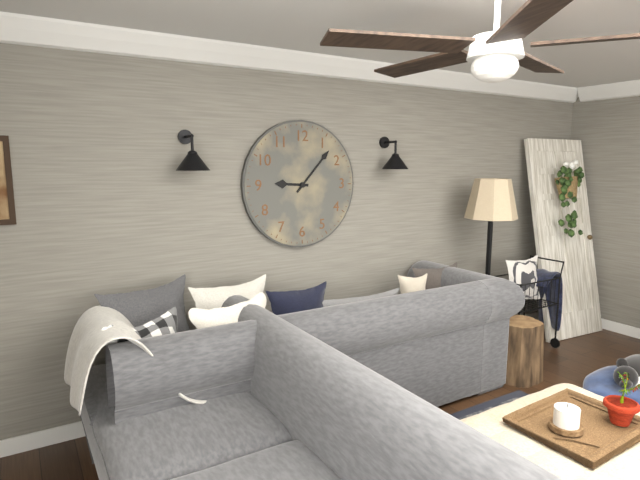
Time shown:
{"hour": 9, "minute": 7}
